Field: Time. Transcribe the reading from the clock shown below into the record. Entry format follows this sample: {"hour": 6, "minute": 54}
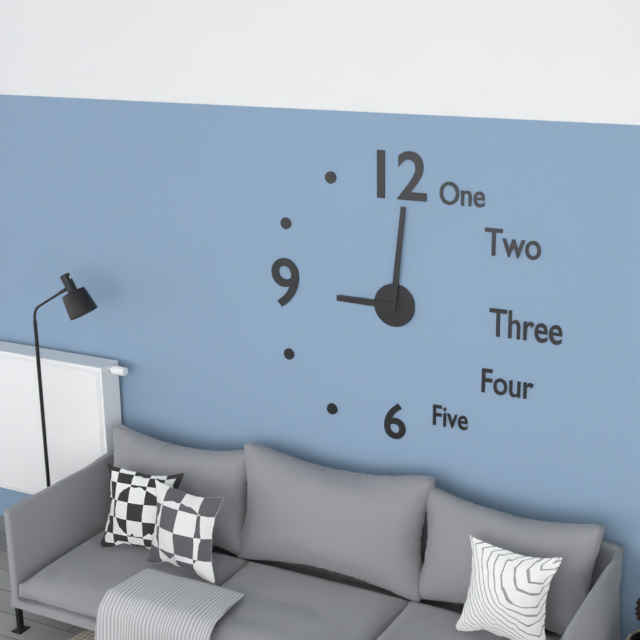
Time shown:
{"hour": 9, "minute": 1}
